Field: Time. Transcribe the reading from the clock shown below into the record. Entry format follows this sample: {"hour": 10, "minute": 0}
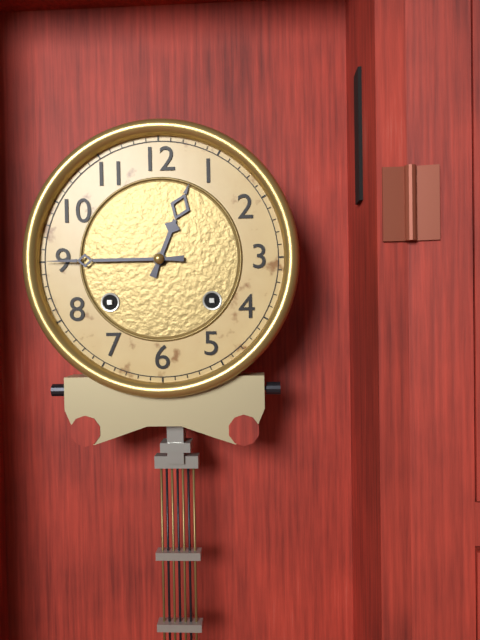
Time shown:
{"hour": 12, "minute": 45}
